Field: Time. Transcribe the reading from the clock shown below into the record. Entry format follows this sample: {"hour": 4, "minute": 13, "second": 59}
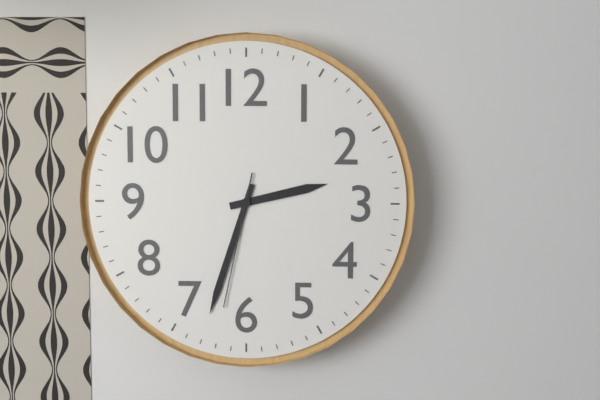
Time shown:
{"hour": 2, "minute": 33, "second": 32}
